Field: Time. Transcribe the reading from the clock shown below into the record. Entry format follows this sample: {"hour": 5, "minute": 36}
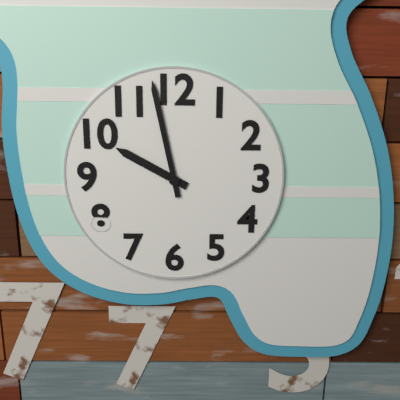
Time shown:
{"hour": 9, "minute": 58}
